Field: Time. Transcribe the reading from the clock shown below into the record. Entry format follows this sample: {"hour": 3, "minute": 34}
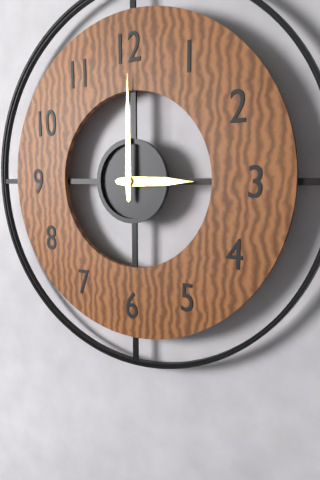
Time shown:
{"hour": 3, "minute": 0}
